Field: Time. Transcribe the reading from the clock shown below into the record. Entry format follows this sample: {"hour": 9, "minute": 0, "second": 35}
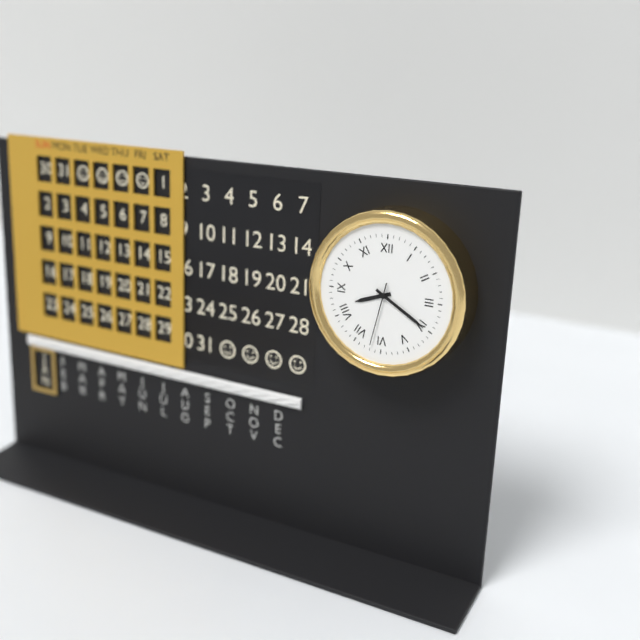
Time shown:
{"hour": 8, "minute": 20, "second": 32}
